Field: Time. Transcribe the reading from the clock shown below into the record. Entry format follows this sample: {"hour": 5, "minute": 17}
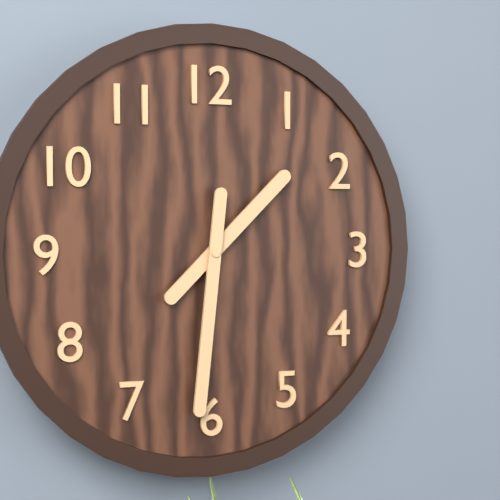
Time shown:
{"hour": 1, "minute": 31}
